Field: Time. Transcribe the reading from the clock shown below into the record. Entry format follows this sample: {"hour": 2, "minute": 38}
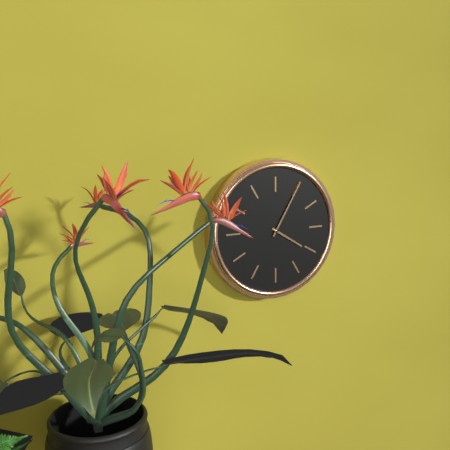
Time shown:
{"hour": 4, "minute": 5}
